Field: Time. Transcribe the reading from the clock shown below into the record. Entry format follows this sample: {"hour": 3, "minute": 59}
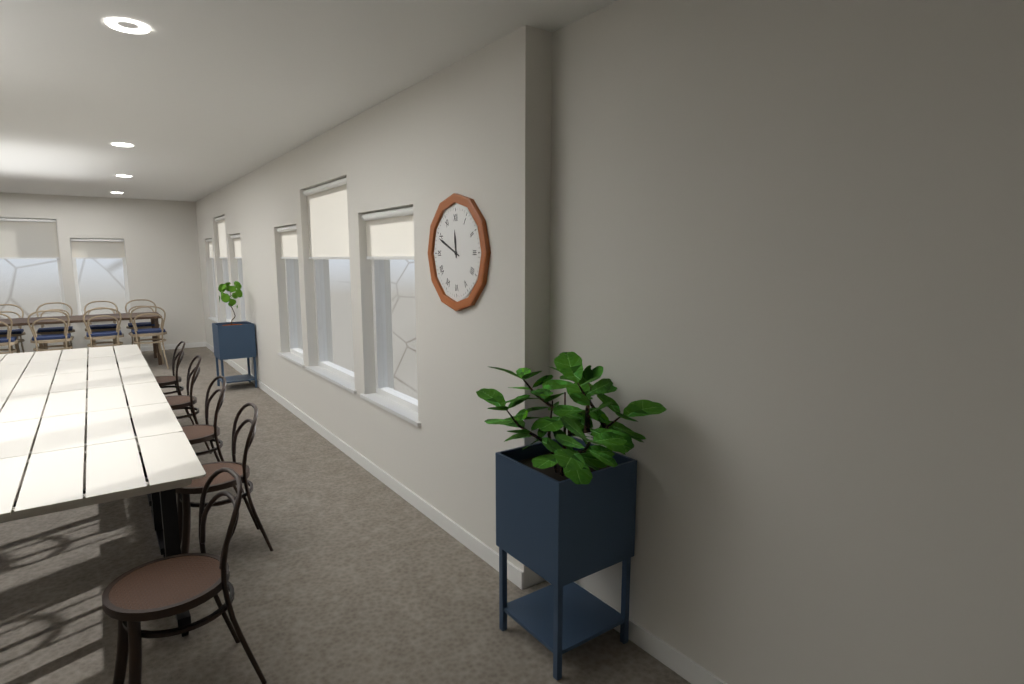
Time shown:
{"hour": 11, "minute": 49}
